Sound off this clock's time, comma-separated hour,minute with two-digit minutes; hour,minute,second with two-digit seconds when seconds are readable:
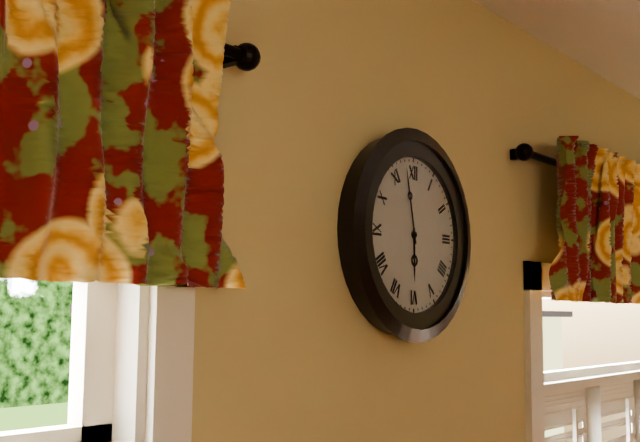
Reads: 5,58
